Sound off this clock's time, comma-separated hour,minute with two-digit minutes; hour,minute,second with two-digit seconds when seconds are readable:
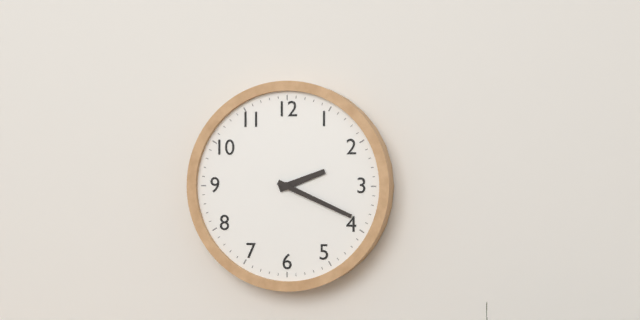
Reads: 2,19
